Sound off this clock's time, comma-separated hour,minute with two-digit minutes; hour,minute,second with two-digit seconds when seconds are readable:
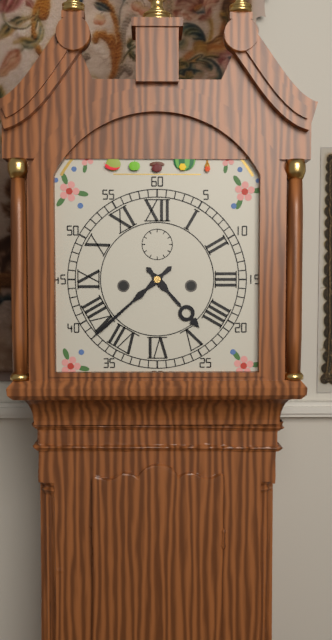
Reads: 4,38
